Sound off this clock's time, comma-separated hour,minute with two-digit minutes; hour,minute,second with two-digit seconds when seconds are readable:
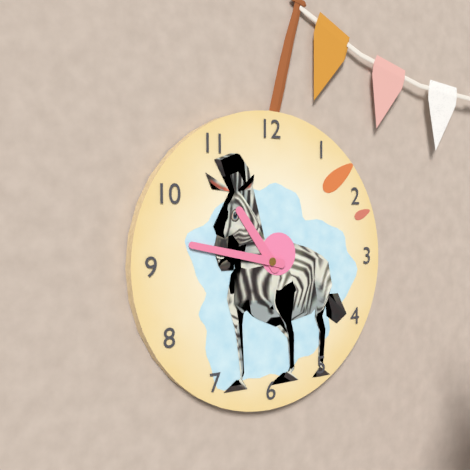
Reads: 10,47
